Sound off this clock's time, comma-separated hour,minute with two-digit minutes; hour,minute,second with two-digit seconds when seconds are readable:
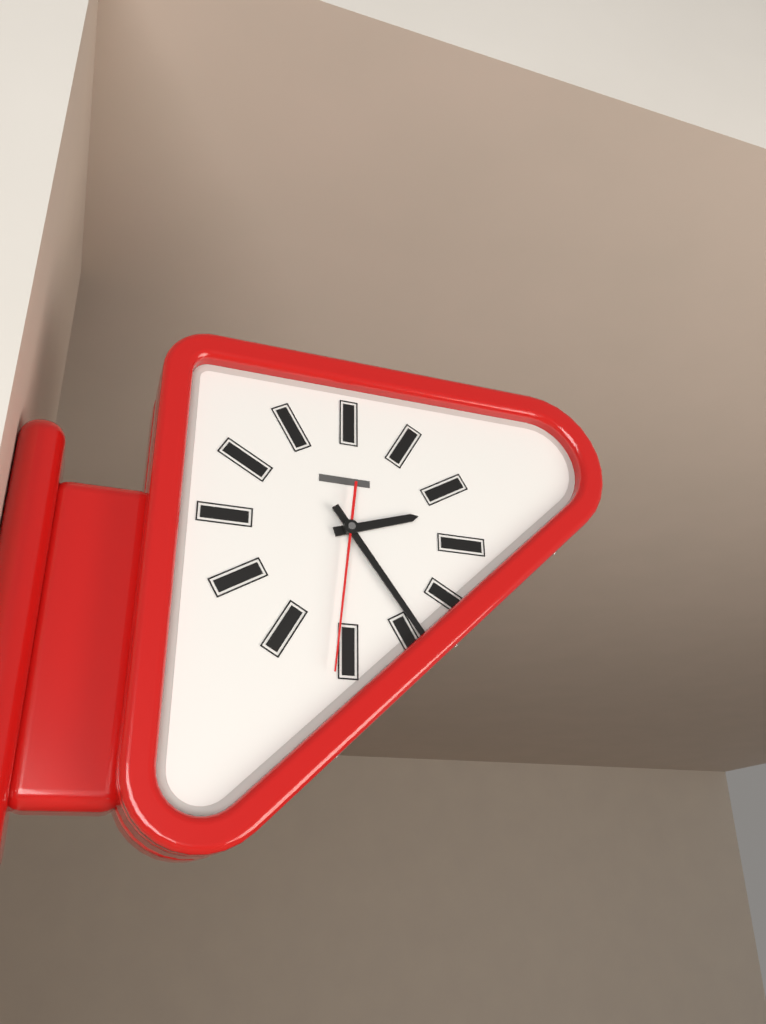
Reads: 2,24,31
